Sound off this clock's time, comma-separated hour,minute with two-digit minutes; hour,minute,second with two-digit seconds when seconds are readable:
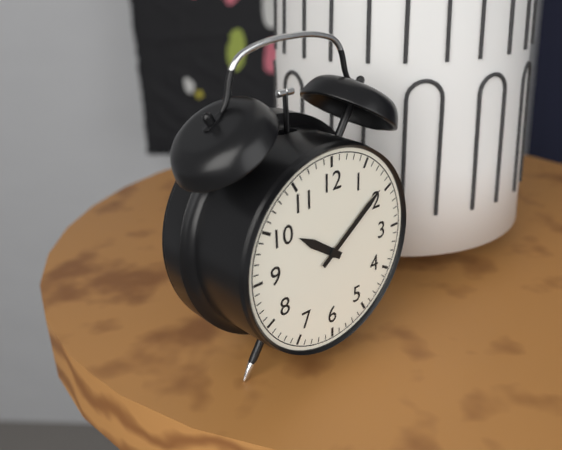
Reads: 10,09
